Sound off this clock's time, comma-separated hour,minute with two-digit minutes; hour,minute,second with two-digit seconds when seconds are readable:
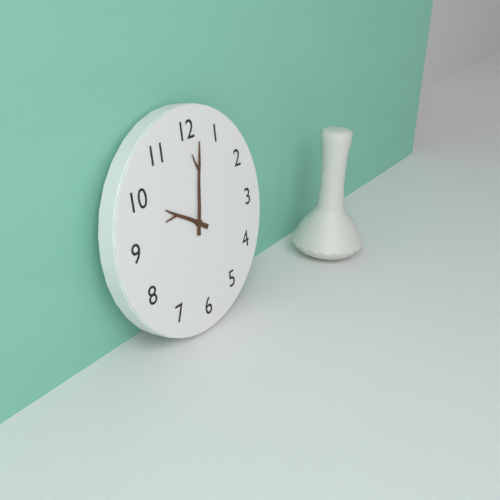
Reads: 10,02
